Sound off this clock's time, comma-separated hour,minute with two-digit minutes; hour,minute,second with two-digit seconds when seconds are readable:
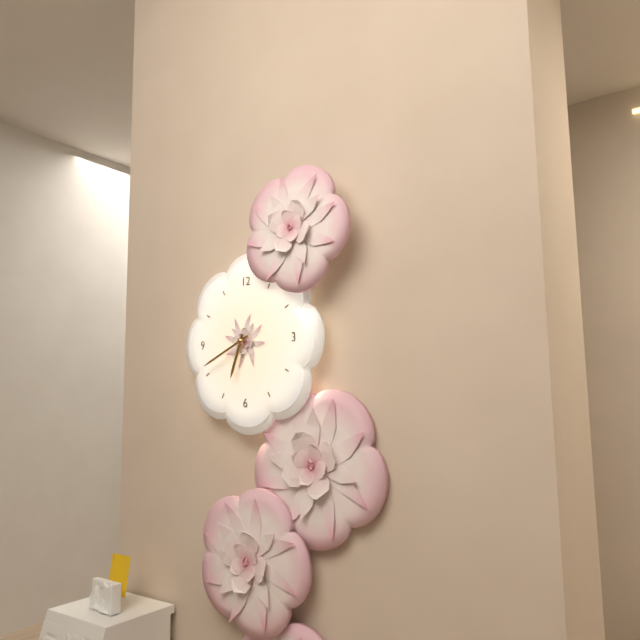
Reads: 6,41
